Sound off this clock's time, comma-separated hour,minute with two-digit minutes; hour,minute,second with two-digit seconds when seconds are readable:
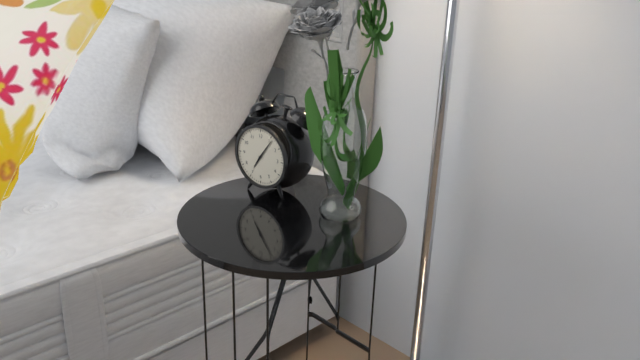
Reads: 7,06
